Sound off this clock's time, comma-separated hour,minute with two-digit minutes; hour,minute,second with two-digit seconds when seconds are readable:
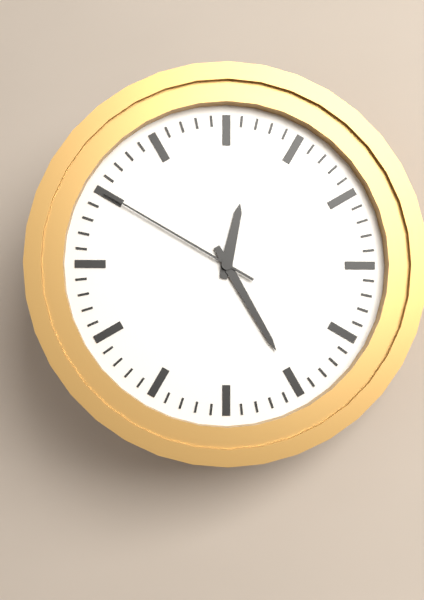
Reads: 12,25,50
